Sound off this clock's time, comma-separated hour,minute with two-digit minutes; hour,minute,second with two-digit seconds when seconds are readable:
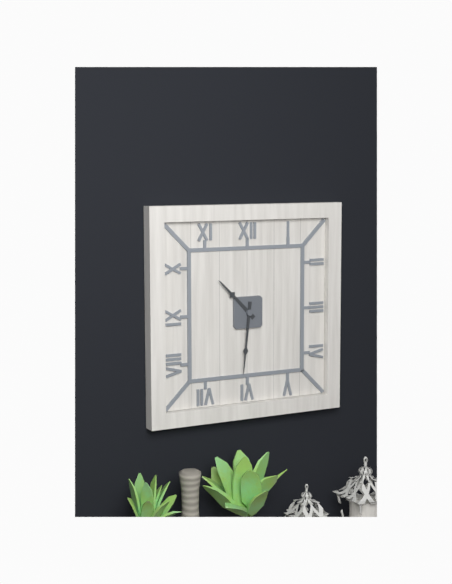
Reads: 10,31
